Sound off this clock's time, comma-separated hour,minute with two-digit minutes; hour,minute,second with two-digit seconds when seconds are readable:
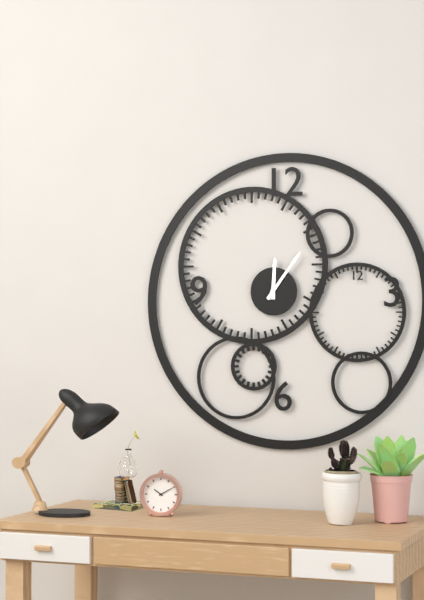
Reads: 12,06
